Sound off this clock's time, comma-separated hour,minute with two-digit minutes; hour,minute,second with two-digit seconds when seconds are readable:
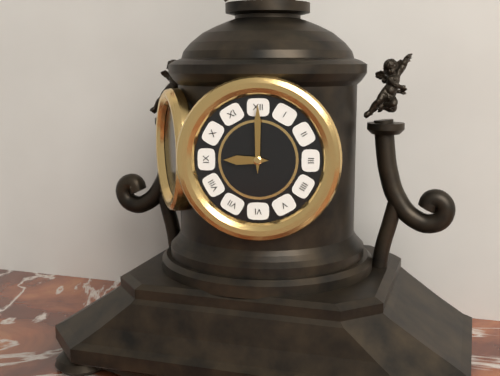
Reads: 9,00
